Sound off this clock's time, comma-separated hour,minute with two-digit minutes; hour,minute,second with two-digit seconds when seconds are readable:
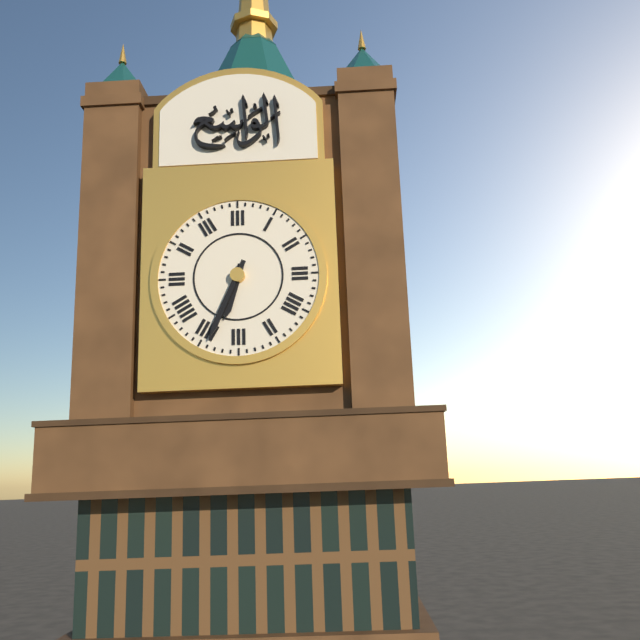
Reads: 6,34
